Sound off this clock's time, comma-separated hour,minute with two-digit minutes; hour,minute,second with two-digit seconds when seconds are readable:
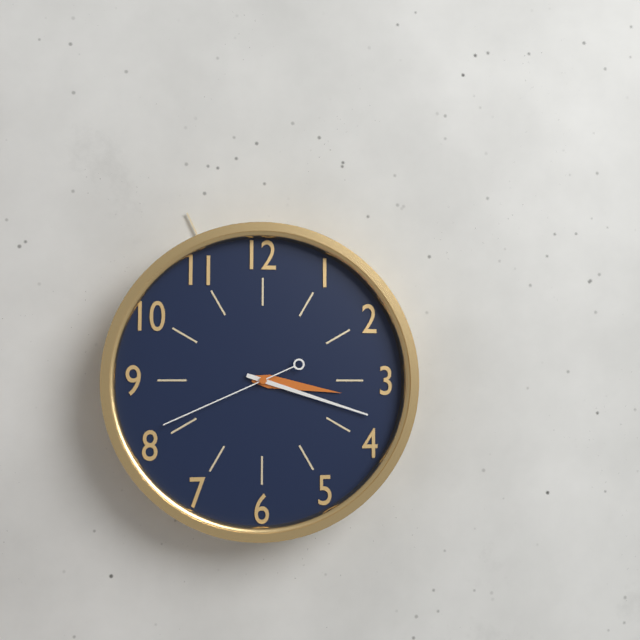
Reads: 3,18,41
